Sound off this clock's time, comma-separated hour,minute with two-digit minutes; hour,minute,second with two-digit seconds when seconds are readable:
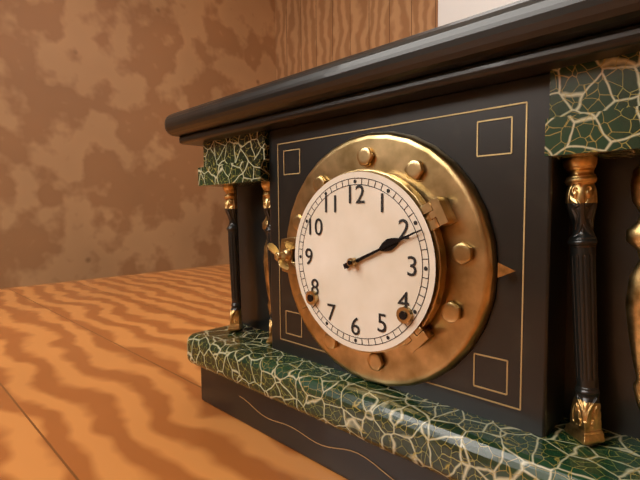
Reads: 2,11
